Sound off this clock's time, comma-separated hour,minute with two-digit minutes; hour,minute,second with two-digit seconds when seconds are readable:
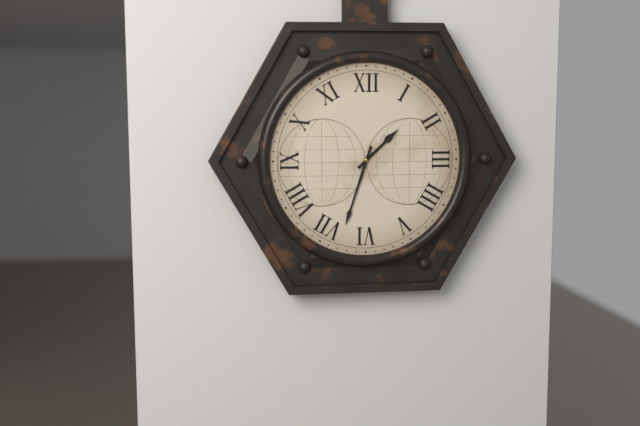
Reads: 1,33
